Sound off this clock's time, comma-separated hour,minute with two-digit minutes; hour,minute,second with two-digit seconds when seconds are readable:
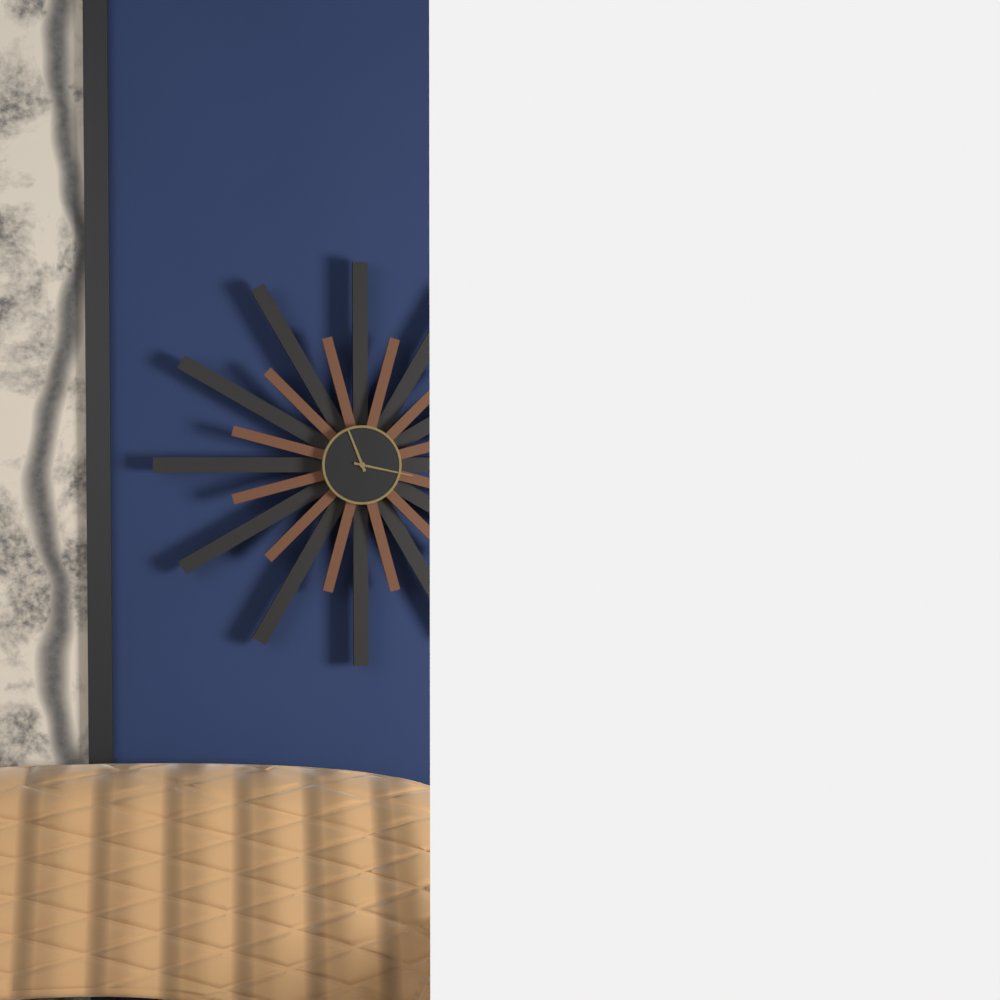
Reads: 11,17
